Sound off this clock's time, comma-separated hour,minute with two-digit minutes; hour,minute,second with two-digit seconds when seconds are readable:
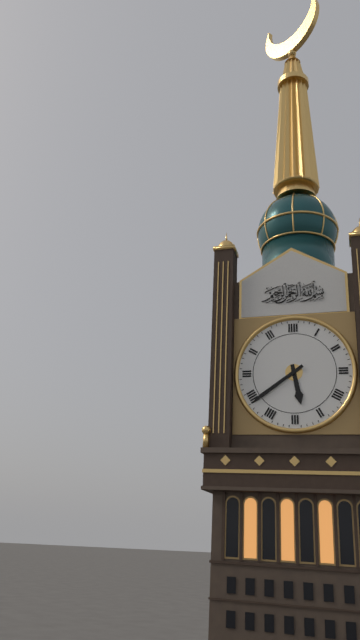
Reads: 5,39
